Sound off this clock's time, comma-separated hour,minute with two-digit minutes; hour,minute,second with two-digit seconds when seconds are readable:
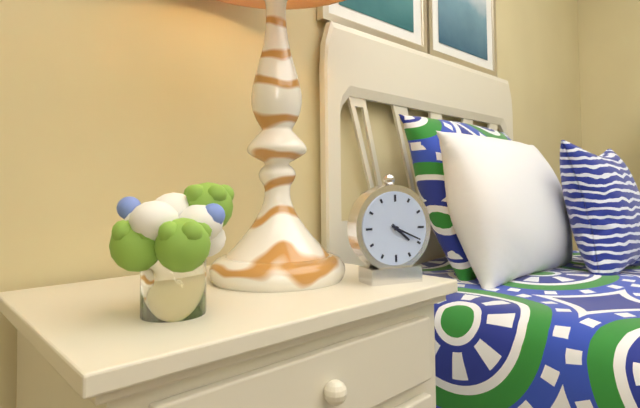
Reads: 4,19
